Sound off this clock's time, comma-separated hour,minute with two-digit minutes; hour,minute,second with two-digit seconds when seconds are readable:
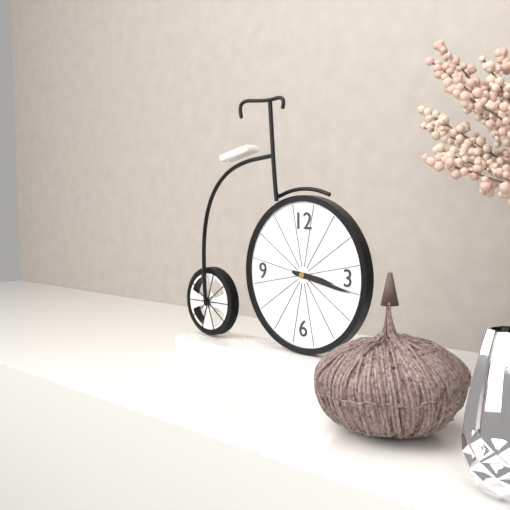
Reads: 3,17
